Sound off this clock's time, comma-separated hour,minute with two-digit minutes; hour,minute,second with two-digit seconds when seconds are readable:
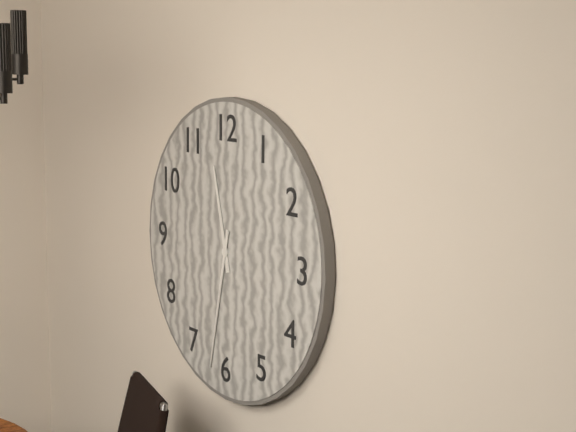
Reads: 11,32
